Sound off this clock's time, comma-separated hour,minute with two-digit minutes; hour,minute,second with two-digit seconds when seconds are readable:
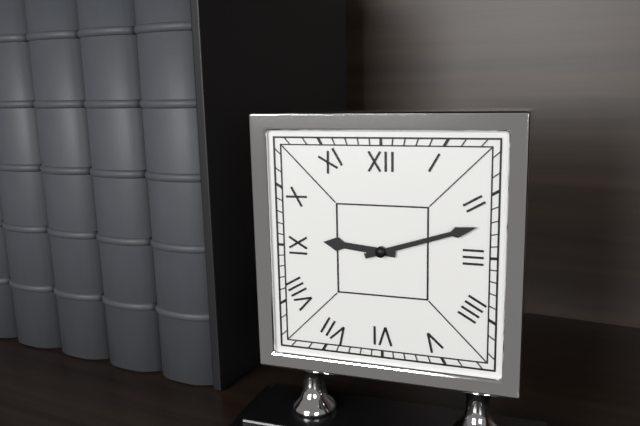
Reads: 9,12
